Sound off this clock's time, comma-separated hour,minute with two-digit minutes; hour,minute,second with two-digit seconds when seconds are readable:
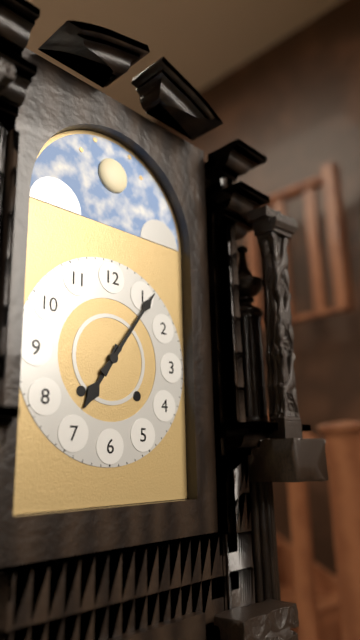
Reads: 7,06
